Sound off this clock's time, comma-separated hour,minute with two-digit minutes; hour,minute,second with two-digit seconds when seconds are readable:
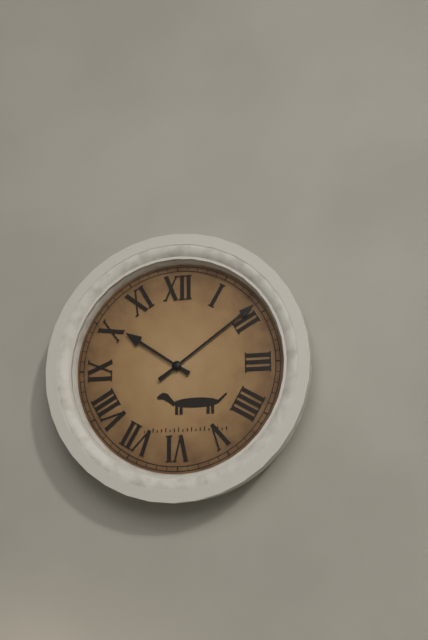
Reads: 10,09
